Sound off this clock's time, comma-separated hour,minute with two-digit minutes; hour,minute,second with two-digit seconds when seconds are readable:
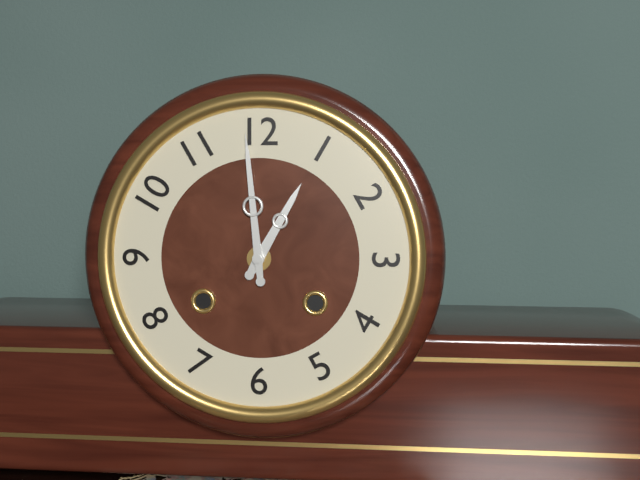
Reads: 12,59
